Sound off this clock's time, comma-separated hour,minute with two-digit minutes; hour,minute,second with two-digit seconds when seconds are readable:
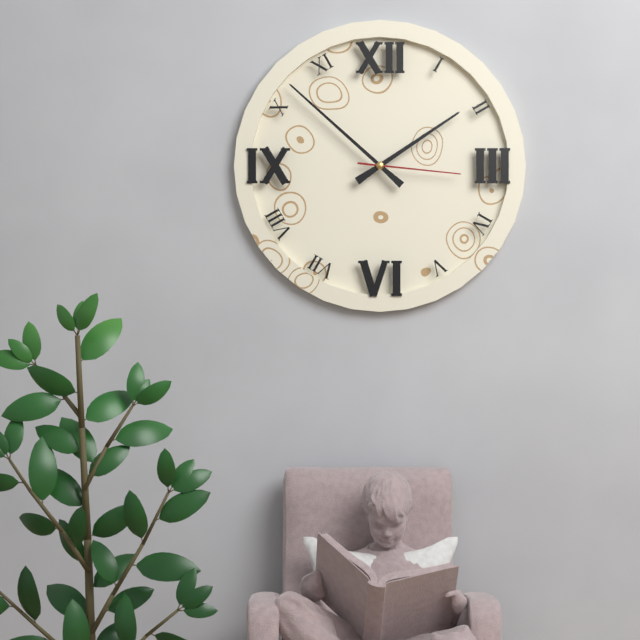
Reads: 1,52,16
